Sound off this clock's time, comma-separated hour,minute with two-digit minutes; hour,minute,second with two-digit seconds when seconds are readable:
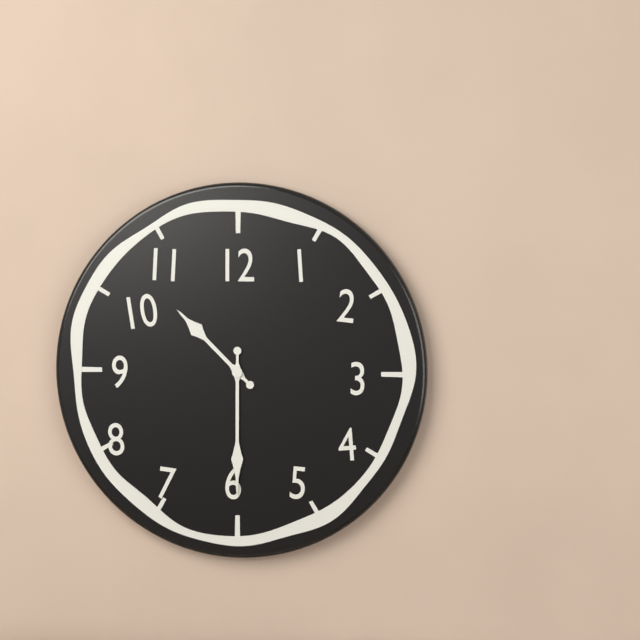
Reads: 10,30
